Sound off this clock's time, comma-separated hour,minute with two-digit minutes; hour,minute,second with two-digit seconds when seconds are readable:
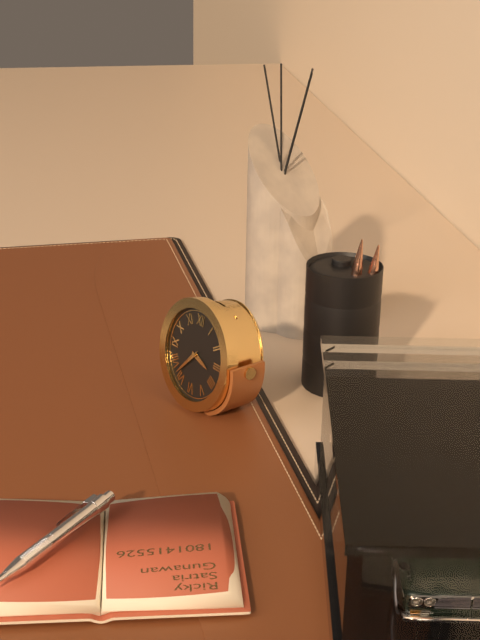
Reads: 3,37
